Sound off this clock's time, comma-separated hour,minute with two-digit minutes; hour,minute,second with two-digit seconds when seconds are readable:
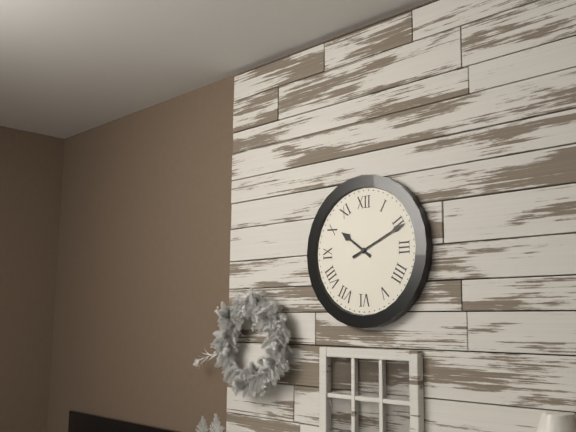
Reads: 10,11
